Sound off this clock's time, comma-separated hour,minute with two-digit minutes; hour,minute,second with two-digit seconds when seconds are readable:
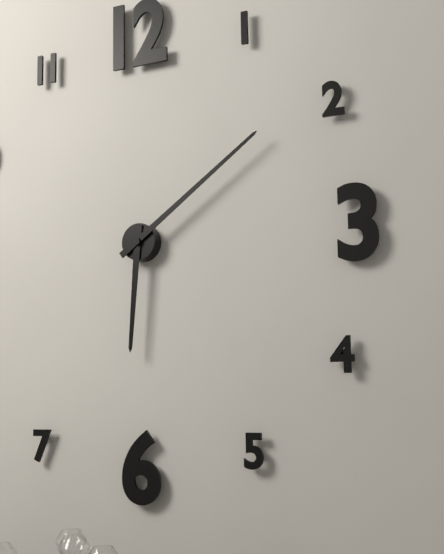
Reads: 6,09
